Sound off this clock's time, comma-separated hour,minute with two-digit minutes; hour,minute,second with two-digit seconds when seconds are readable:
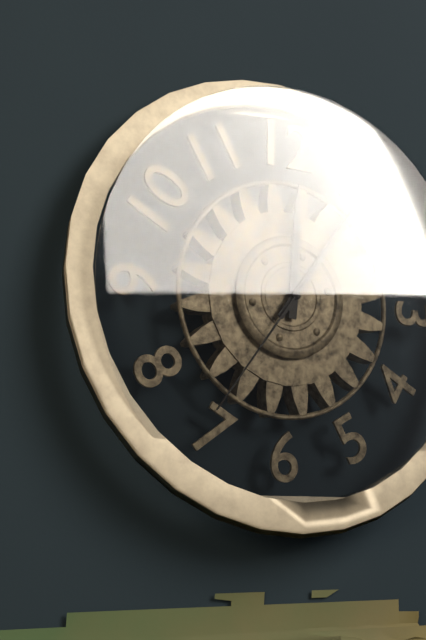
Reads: 12,06,36
